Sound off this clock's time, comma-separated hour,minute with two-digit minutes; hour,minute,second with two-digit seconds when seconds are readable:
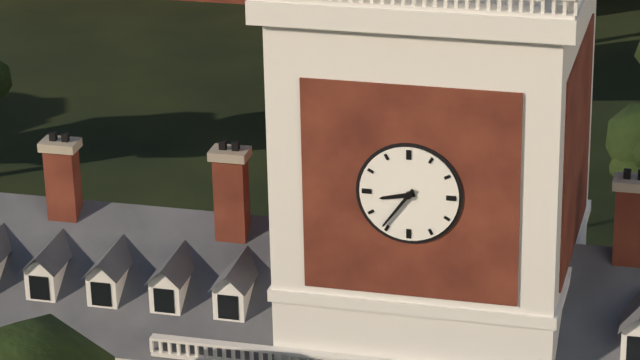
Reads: 8,36
